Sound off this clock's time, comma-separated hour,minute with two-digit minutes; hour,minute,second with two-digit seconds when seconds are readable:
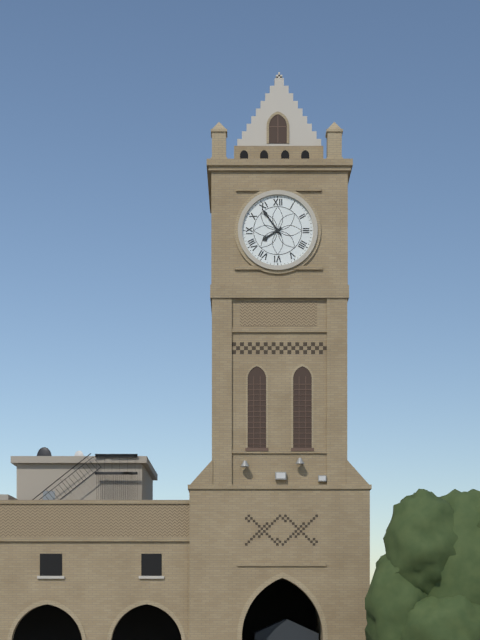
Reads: 7,54
